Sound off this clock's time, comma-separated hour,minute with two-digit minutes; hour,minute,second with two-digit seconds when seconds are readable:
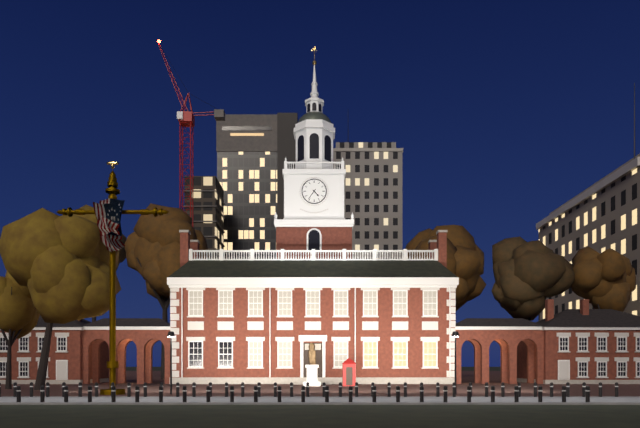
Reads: 4,36
